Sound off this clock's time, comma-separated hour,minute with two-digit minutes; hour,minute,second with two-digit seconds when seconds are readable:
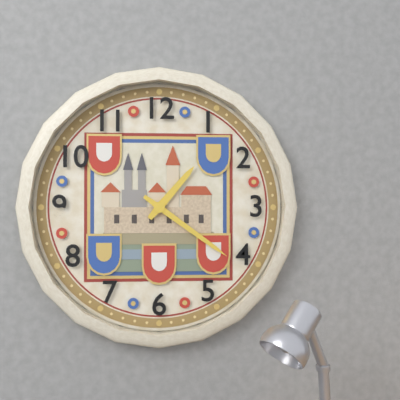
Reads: 1,21
